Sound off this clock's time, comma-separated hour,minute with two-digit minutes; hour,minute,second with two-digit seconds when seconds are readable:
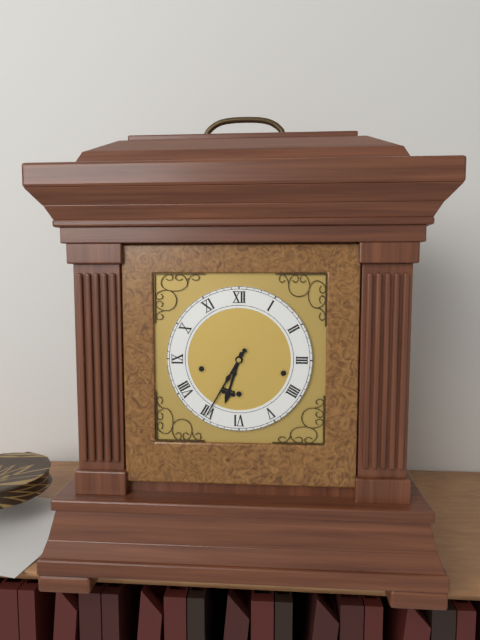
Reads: 6,35
